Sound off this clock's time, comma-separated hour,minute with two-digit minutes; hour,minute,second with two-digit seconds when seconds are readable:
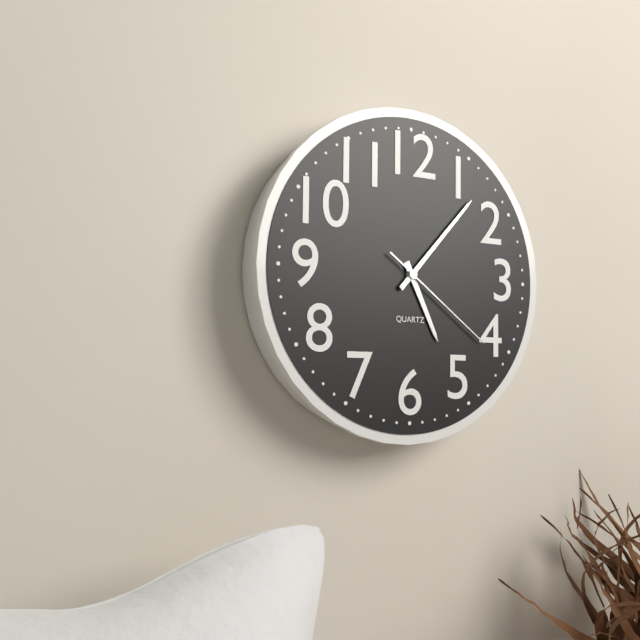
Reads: 5,07,21
